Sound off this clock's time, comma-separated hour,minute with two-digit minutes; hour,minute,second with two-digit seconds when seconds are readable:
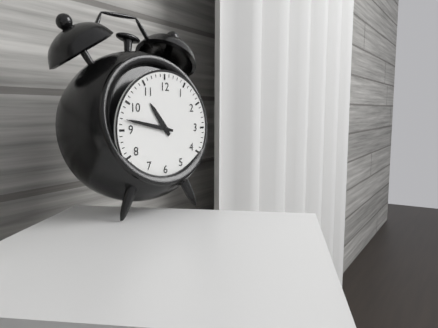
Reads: 10,47
